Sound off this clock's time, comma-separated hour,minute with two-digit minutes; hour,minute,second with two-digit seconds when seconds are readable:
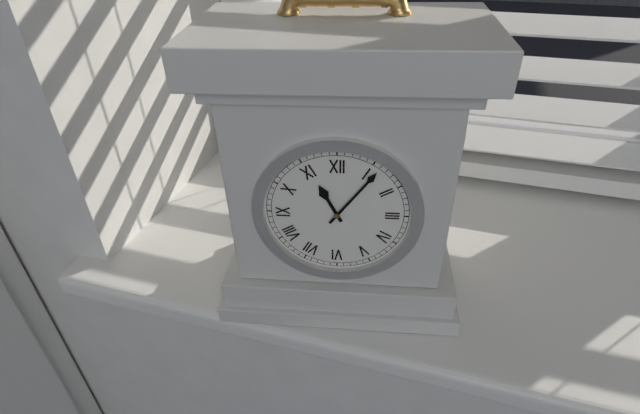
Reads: 11,06
